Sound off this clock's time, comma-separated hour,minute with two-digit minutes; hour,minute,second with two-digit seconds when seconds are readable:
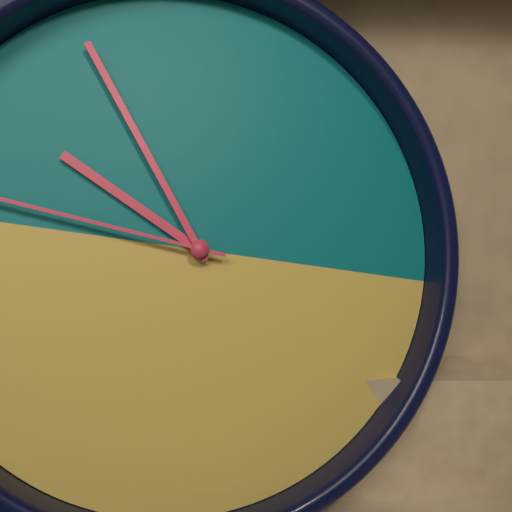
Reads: 9,54
